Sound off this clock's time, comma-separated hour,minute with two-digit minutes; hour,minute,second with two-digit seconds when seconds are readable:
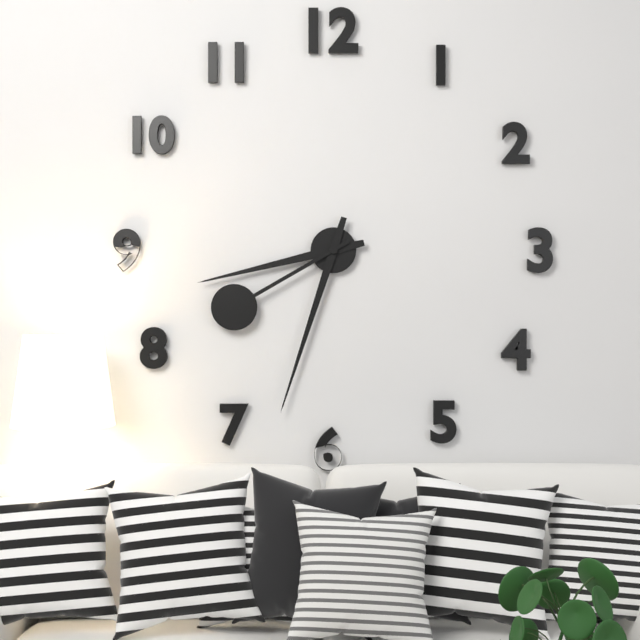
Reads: 8,33,40
